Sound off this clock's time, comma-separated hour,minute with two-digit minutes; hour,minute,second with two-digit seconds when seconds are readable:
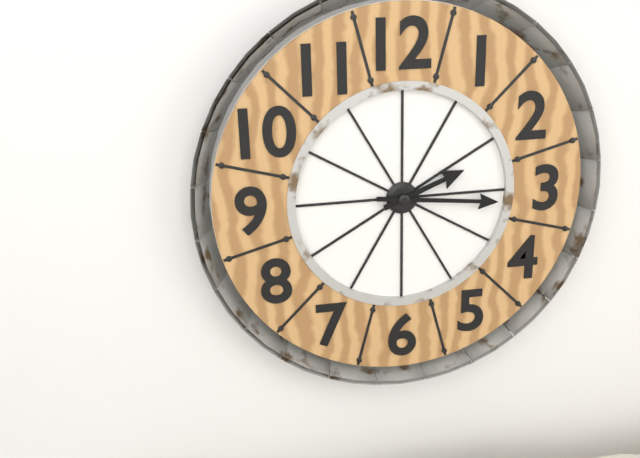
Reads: 2,16
